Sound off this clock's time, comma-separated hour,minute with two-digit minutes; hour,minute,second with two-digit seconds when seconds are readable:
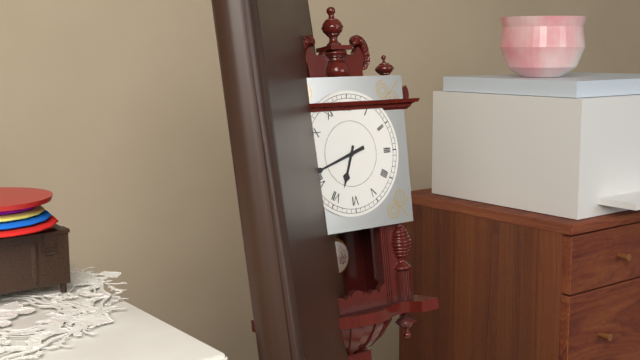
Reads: 6,42
